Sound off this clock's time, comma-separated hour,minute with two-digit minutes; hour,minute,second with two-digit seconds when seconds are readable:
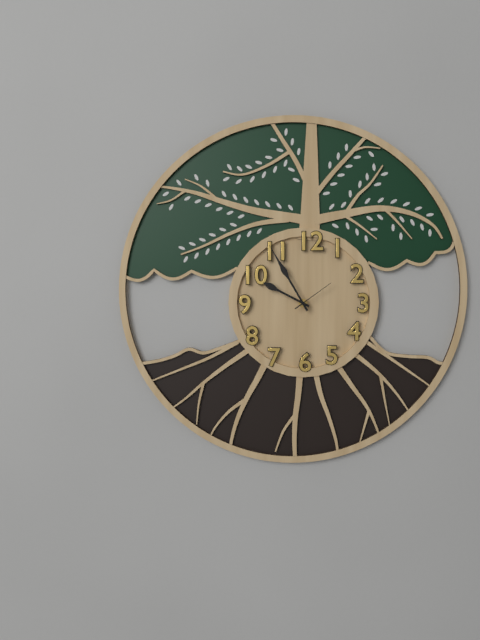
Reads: 9,55
